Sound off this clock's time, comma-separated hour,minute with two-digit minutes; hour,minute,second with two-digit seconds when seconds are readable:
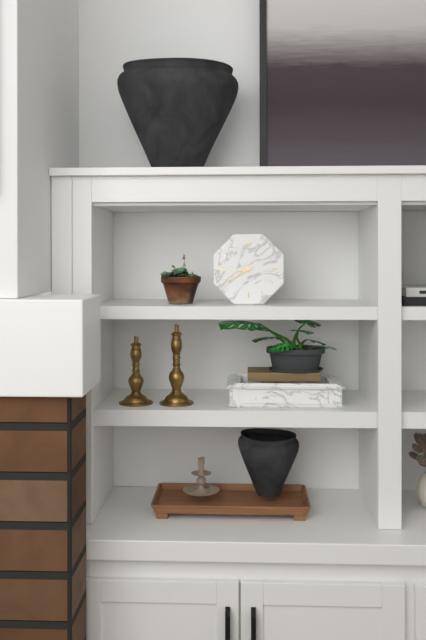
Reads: 8,40
